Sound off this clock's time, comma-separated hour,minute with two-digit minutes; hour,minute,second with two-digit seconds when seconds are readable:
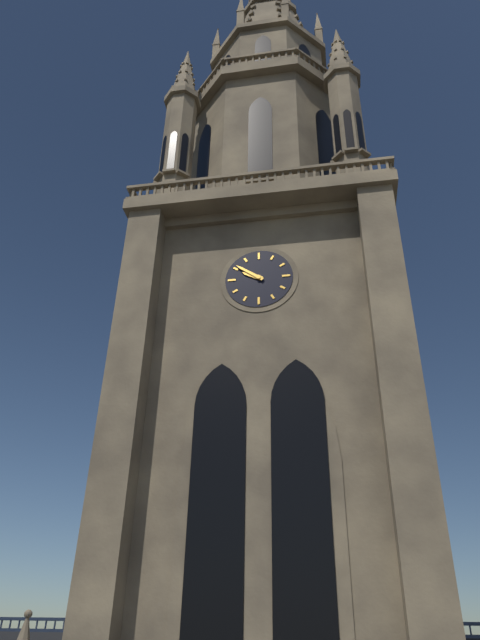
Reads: 9,51
